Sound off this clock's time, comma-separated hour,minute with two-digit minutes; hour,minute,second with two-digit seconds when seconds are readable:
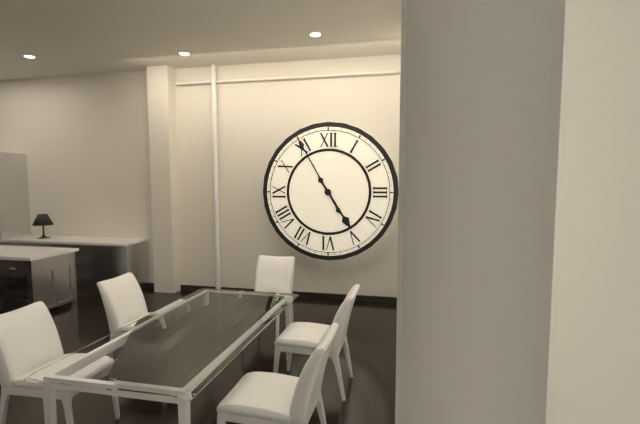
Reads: 4,55
